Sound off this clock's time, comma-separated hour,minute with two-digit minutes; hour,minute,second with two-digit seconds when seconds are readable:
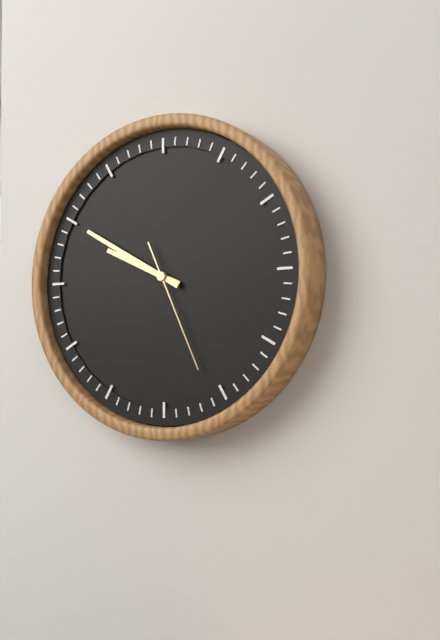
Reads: 9,50,26
